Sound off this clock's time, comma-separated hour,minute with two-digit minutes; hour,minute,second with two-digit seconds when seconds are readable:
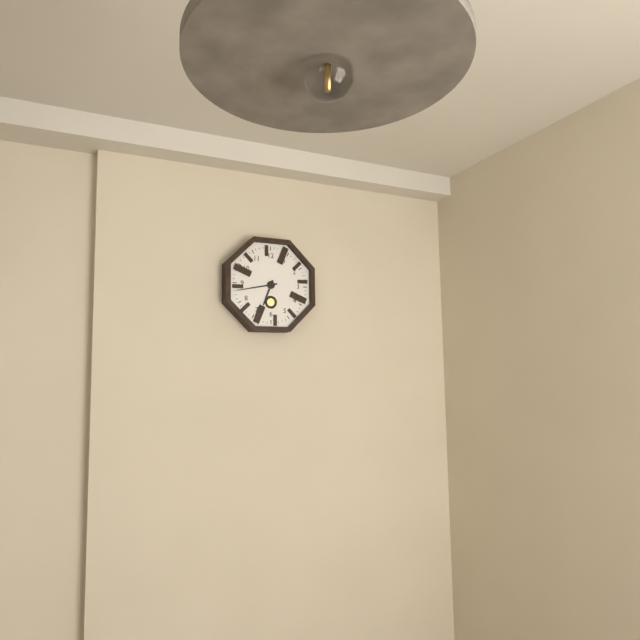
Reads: 6,43
